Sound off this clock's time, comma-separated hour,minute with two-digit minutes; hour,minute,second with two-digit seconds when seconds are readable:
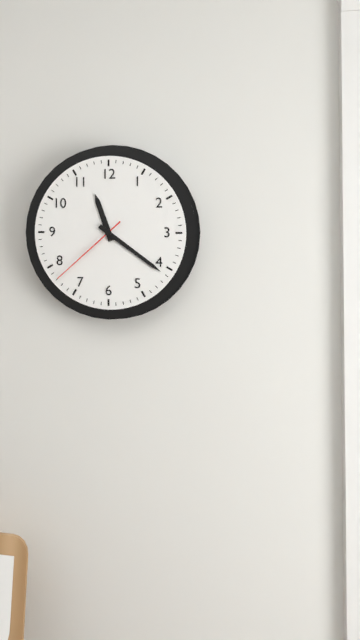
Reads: 11,21,38
